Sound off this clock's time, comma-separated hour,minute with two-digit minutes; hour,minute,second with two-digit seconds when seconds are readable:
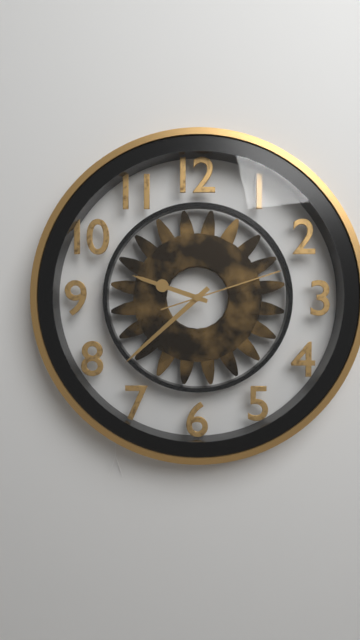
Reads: 9,38,12
